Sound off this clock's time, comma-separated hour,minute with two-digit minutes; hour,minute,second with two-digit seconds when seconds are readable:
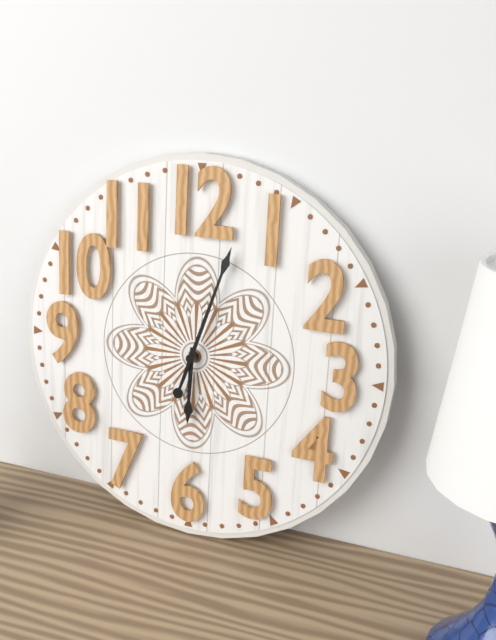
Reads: 6,03
